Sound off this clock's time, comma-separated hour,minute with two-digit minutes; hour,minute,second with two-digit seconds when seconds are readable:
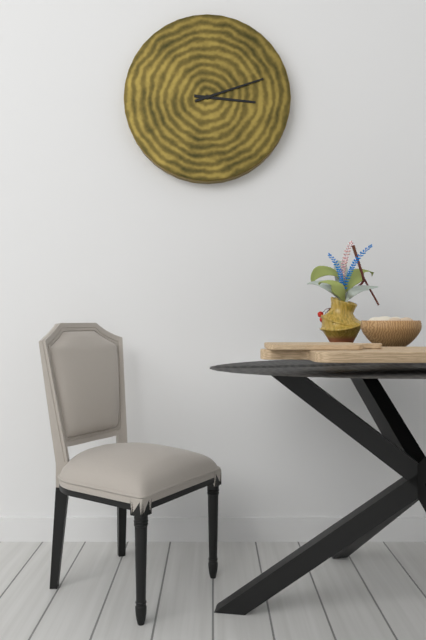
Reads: 3,12
